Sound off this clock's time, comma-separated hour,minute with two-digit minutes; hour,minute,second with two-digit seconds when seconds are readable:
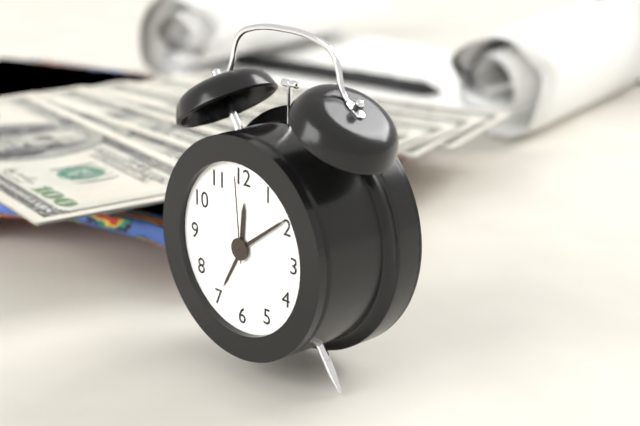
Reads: 12,09,59
